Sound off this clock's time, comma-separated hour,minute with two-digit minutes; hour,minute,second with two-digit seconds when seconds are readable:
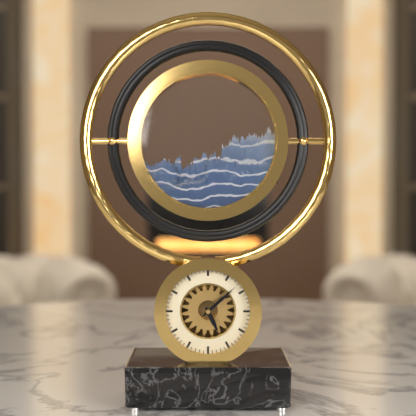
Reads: 5,08
